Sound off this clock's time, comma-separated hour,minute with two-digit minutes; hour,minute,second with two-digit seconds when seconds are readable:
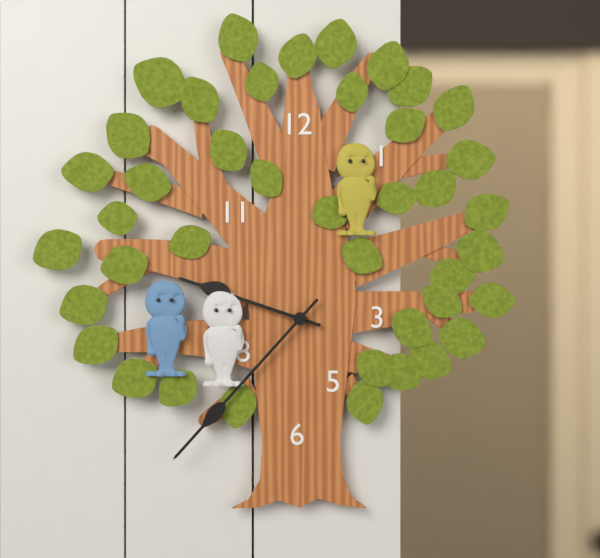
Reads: 9,37
